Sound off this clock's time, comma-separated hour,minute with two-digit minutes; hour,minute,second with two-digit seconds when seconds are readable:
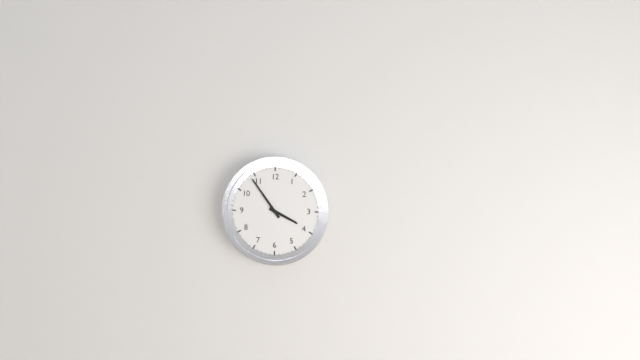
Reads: 3,54
